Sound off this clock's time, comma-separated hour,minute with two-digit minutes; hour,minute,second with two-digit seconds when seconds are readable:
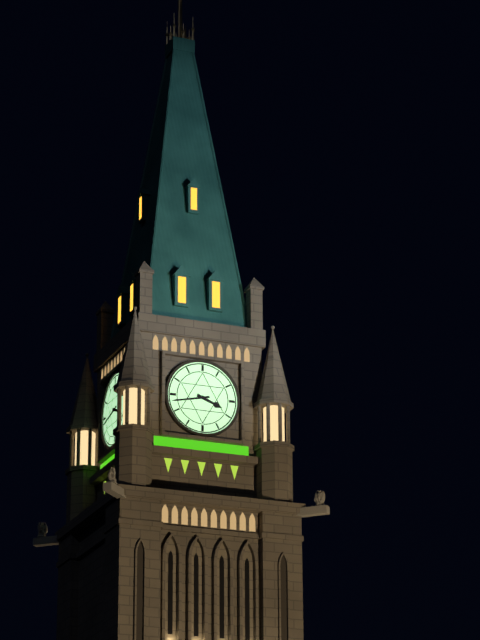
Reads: 3,43
